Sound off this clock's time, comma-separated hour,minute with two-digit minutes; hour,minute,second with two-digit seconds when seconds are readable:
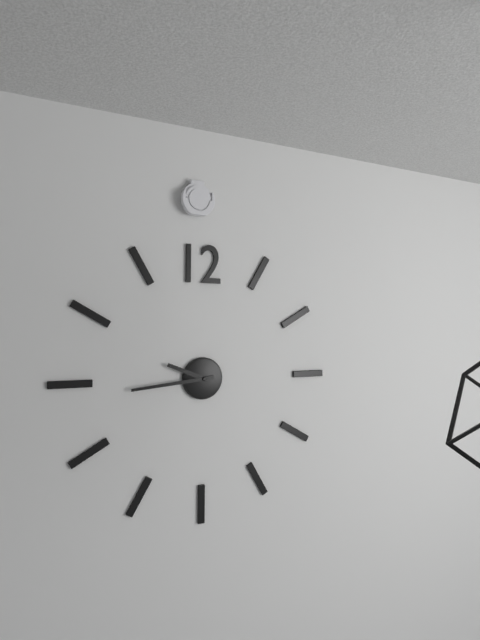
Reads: 9,44
